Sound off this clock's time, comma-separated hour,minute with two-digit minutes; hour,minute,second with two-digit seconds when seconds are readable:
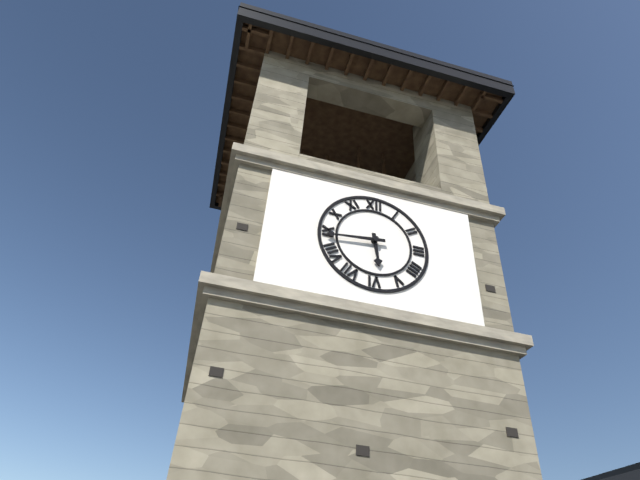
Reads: 5,44
